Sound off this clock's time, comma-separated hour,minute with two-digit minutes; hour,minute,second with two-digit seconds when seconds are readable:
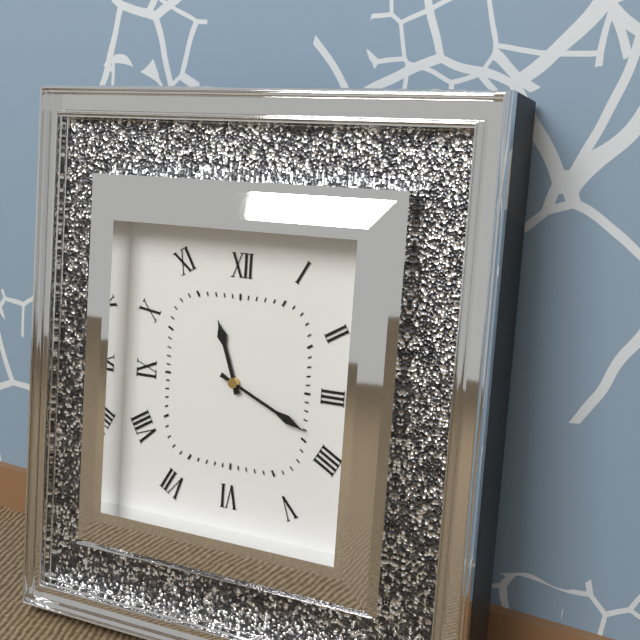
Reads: 11,19
